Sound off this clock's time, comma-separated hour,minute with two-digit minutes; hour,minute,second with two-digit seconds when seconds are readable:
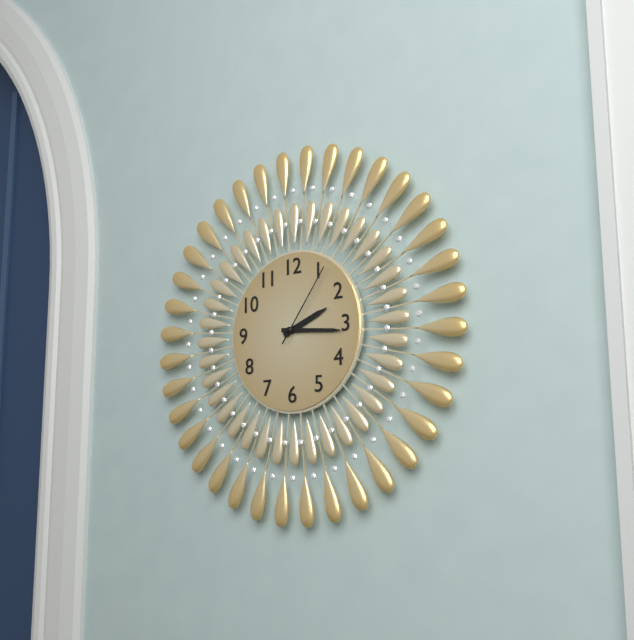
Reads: 2,16,06
